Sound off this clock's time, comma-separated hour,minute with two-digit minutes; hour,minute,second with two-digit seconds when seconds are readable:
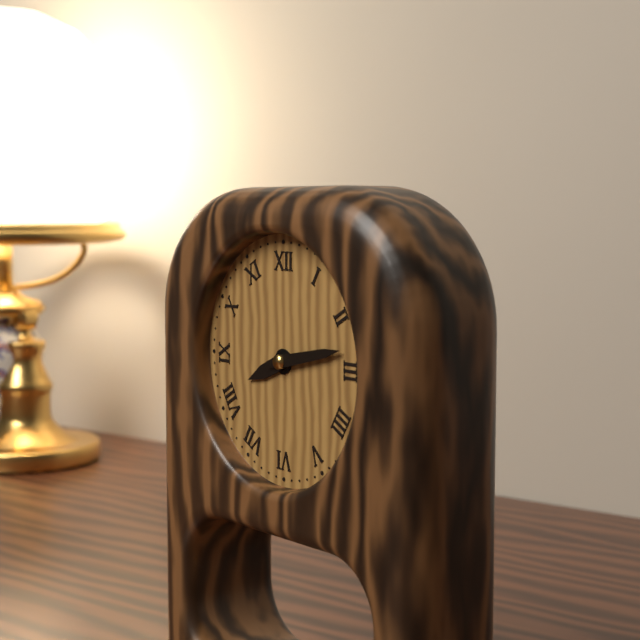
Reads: 8,13
